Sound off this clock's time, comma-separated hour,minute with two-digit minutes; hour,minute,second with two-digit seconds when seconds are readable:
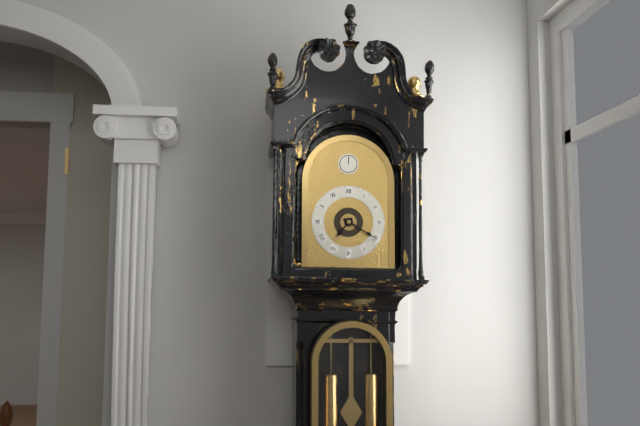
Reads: 7,20
